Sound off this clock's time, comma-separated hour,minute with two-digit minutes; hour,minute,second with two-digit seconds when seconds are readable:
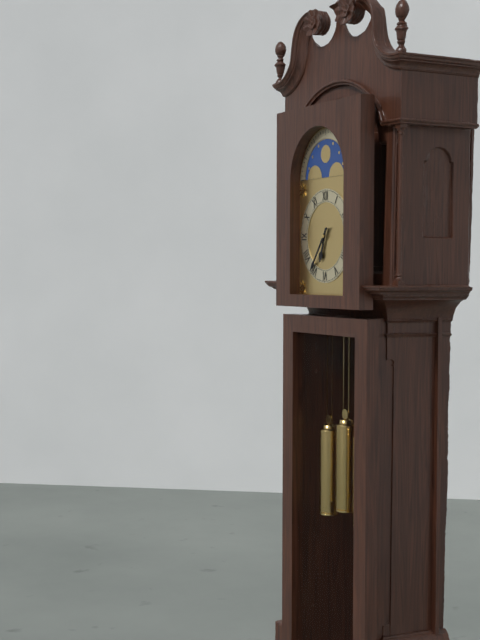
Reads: 6,36
